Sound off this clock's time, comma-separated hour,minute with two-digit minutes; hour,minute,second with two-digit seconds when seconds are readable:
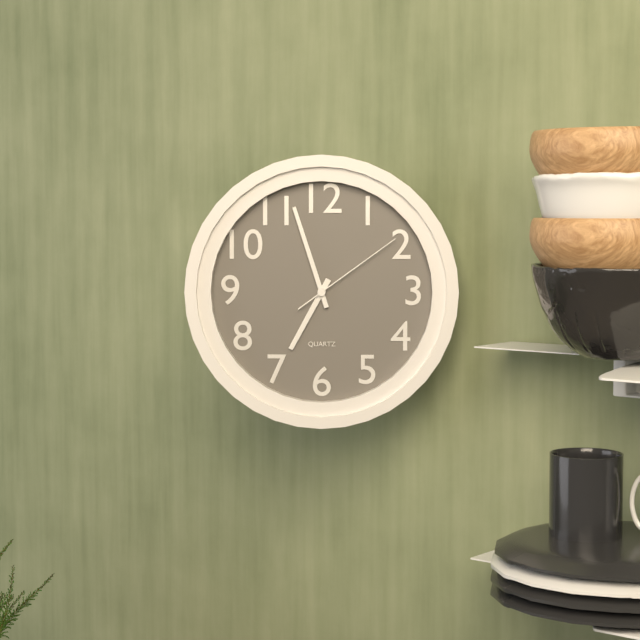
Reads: 6,57,09
